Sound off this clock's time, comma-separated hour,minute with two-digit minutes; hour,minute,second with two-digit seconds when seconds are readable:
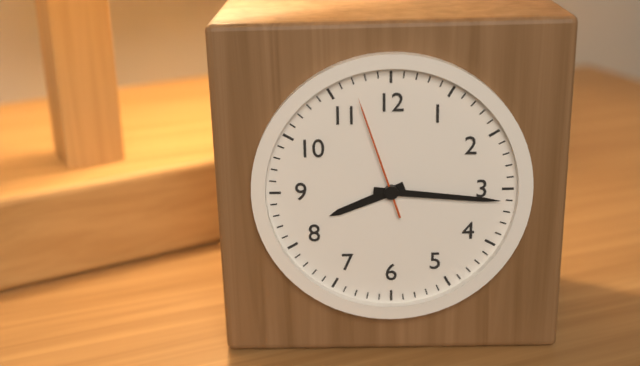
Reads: 8,16,57
